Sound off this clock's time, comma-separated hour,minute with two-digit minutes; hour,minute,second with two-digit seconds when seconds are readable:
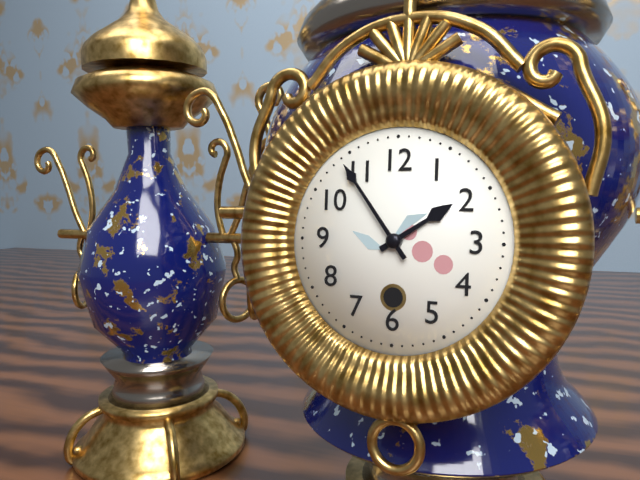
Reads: 1,54
